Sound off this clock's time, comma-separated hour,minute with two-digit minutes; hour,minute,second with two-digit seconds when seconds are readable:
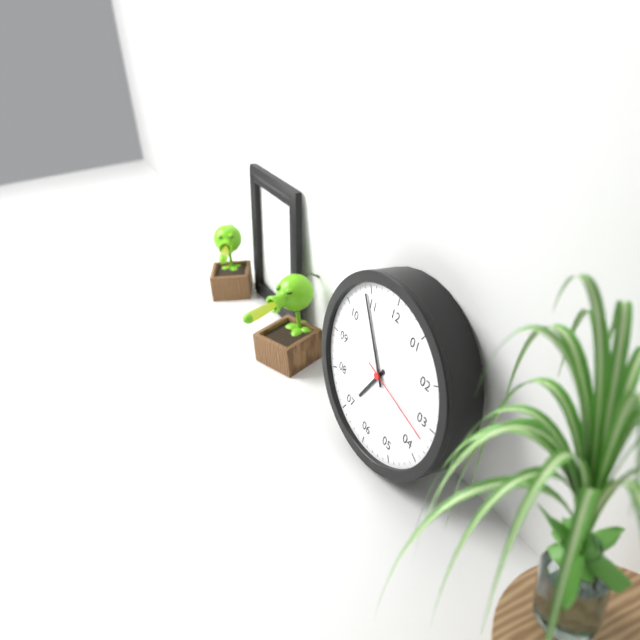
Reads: 6,54,17
